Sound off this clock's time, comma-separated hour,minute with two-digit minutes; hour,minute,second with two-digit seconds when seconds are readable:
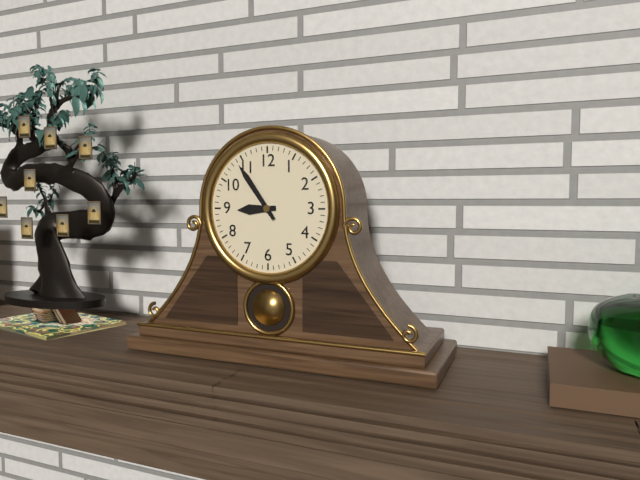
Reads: 8,54
